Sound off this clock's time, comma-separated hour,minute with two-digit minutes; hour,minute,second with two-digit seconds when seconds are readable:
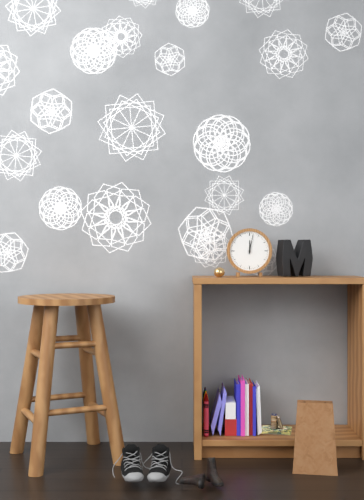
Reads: 12,02
